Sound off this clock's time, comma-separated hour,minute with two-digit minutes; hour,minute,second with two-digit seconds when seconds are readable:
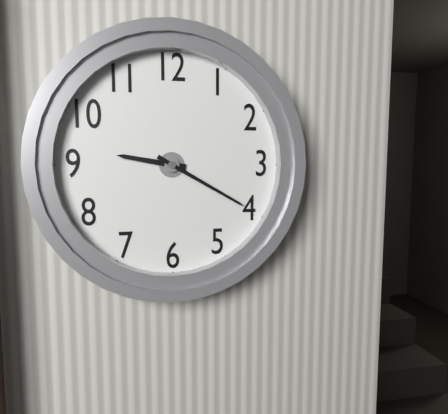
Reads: 9,20
